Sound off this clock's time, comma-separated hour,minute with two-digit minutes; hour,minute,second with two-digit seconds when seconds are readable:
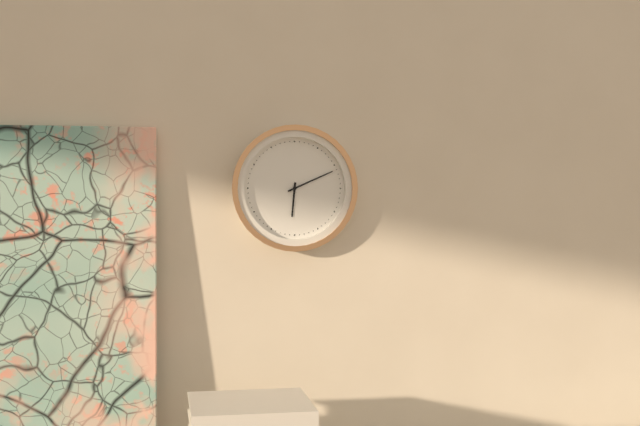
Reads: 6,11
